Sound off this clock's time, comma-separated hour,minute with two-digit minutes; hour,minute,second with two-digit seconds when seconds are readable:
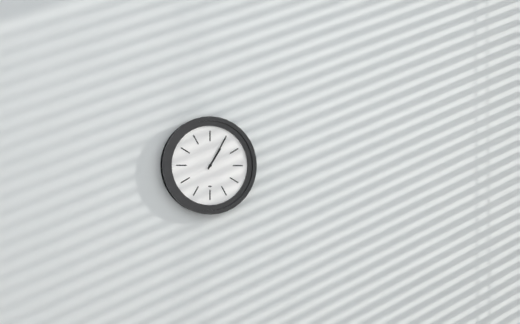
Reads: 1,05
